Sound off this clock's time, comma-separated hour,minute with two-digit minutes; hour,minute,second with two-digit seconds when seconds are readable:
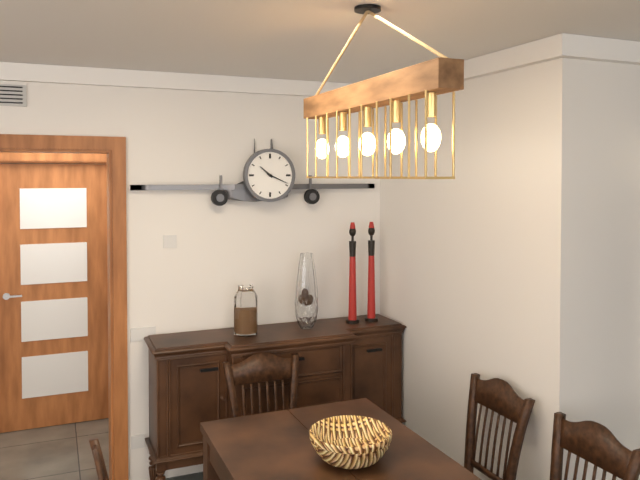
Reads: 10,19
